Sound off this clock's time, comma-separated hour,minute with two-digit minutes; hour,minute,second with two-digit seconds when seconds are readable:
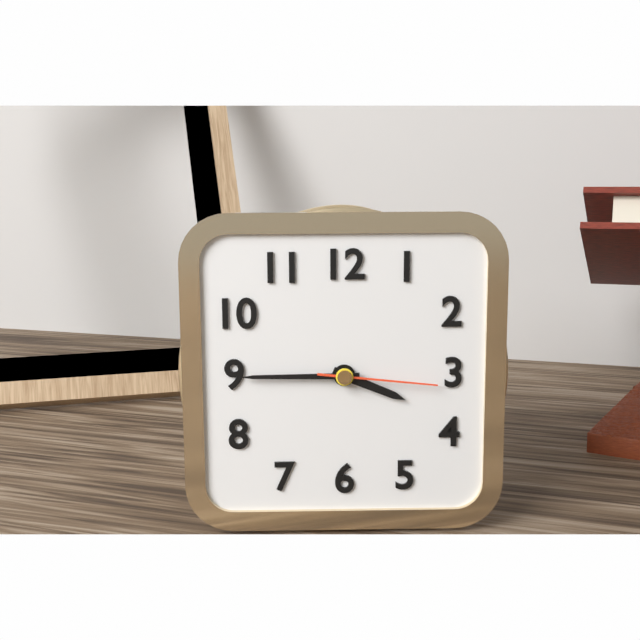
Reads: 3,45,16
